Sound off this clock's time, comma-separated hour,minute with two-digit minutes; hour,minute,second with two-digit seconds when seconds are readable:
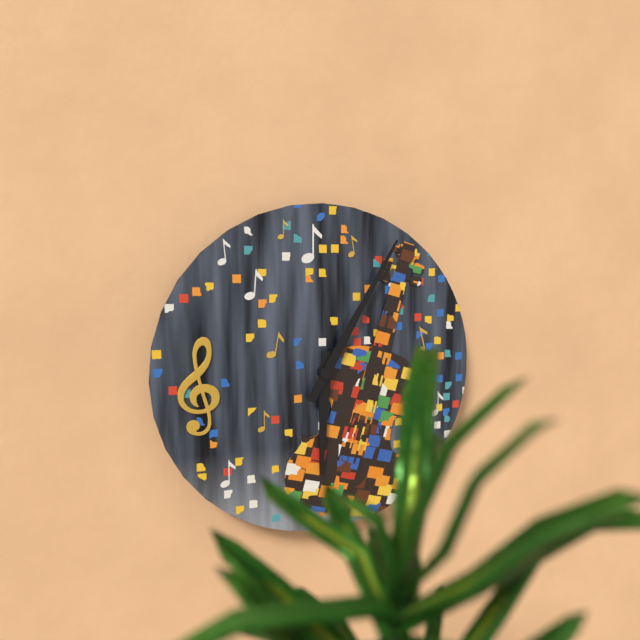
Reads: 6,05
